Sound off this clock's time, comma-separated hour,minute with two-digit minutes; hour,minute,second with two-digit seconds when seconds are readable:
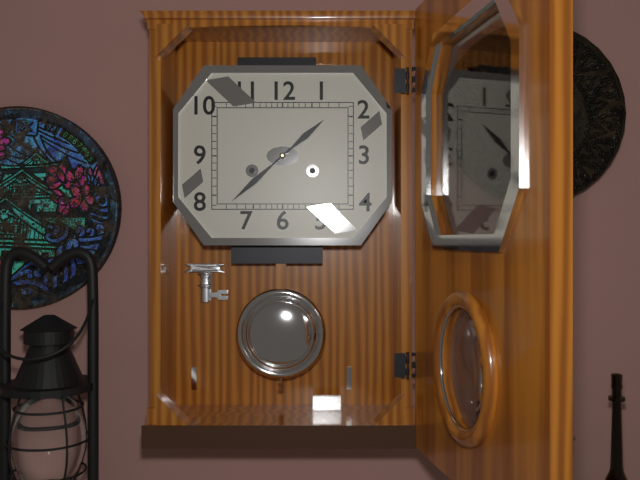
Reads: 1,38
